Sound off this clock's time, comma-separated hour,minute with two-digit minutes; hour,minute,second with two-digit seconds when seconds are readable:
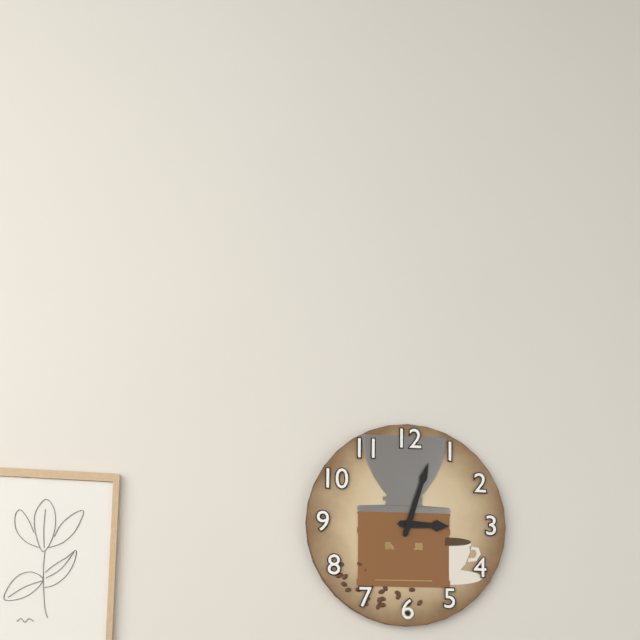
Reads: 3,03
